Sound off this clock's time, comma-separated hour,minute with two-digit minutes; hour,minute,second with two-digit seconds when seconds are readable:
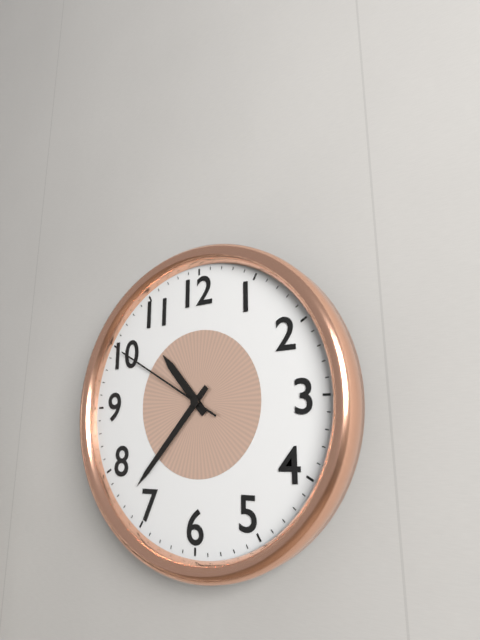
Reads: 10,37,50
